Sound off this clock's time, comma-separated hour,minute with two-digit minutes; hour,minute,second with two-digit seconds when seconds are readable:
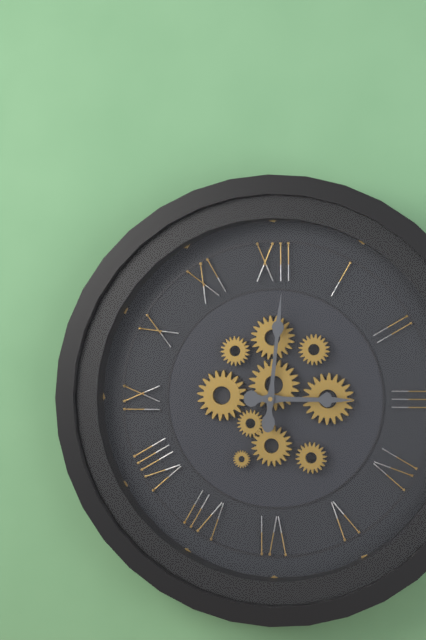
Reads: 3,01
